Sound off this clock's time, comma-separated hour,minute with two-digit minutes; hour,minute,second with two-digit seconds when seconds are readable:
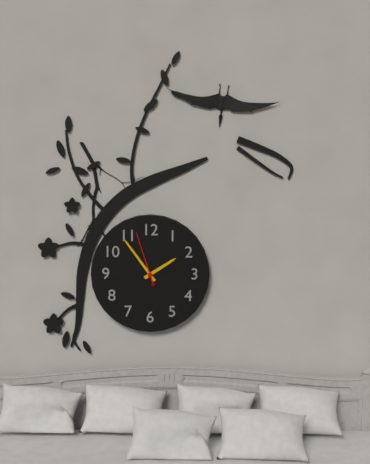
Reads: 1,54,57
